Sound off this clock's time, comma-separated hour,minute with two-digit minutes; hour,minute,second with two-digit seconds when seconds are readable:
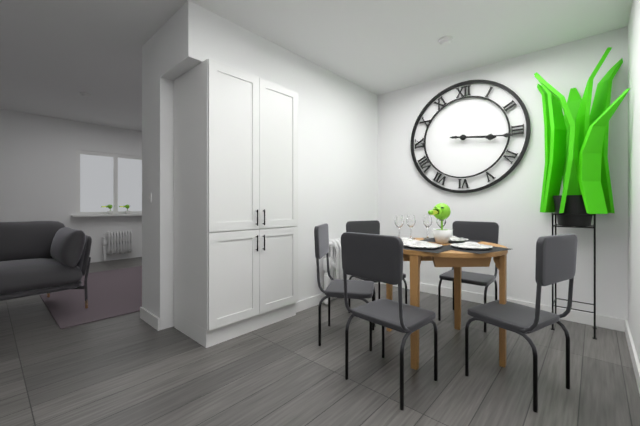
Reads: 3,16
